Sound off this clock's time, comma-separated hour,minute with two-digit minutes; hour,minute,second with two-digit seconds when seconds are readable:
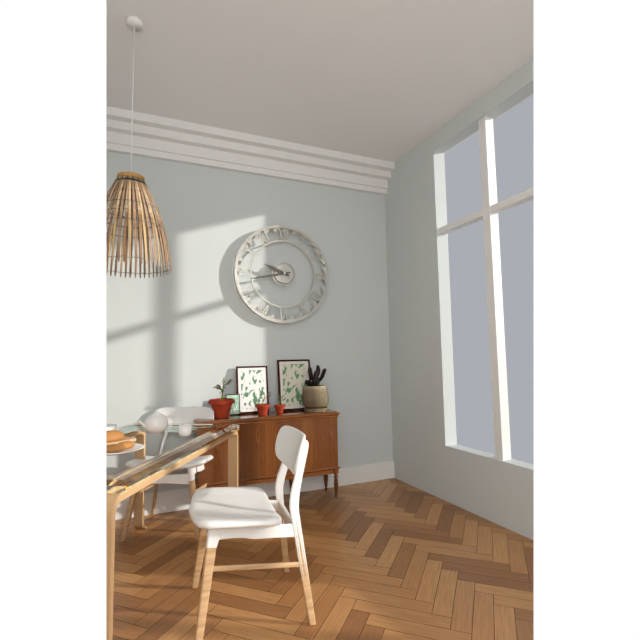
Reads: 9,43
